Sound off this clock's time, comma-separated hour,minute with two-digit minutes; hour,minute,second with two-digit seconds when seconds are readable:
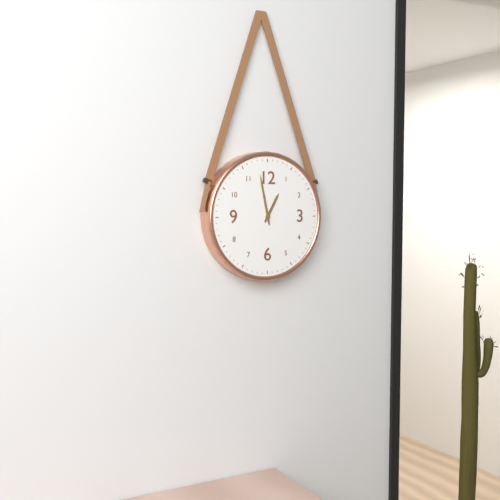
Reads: 12,58
